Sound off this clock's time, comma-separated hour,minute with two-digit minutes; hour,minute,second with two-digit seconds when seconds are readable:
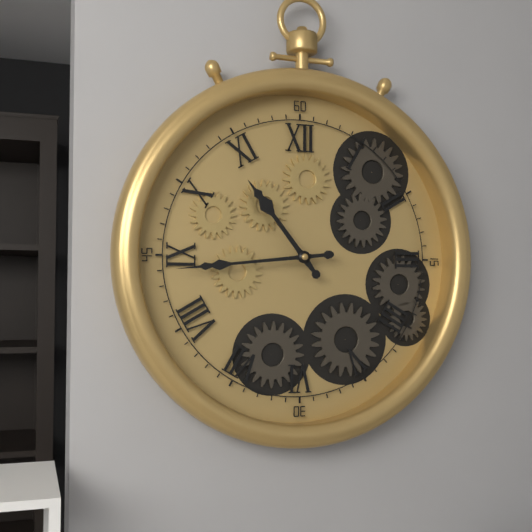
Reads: 10,44
